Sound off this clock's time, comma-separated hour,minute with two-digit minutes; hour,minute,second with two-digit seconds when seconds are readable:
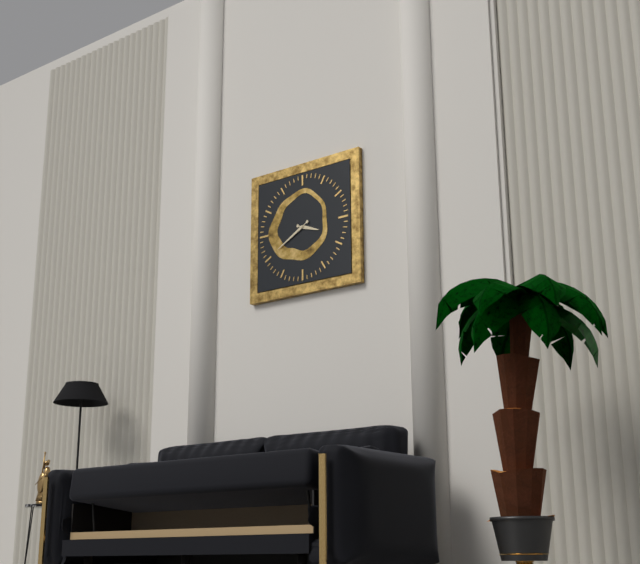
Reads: 3,40
